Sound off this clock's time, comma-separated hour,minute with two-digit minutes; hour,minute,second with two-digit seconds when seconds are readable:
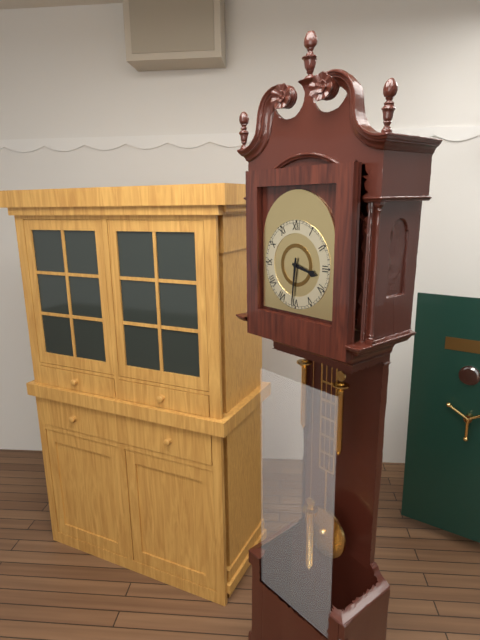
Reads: 3,31
